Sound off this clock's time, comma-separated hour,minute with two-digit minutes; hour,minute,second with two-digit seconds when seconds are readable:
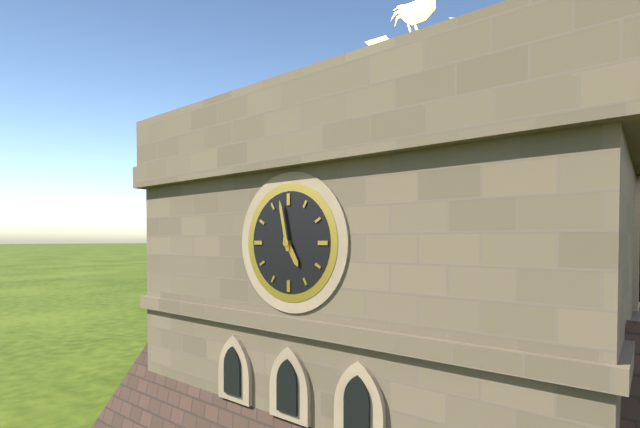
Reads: 4,58
